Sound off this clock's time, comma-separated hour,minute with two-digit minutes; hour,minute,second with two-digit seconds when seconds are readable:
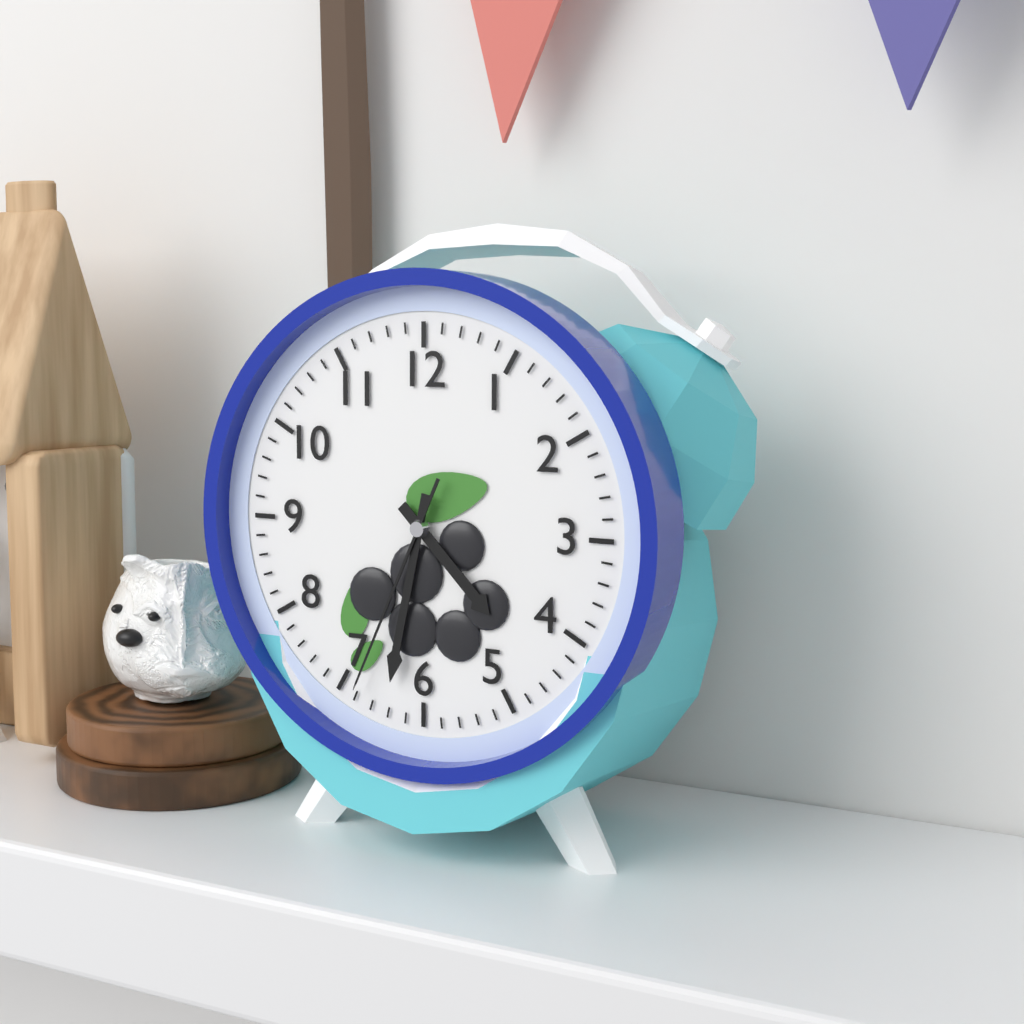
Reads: 4,32,34
